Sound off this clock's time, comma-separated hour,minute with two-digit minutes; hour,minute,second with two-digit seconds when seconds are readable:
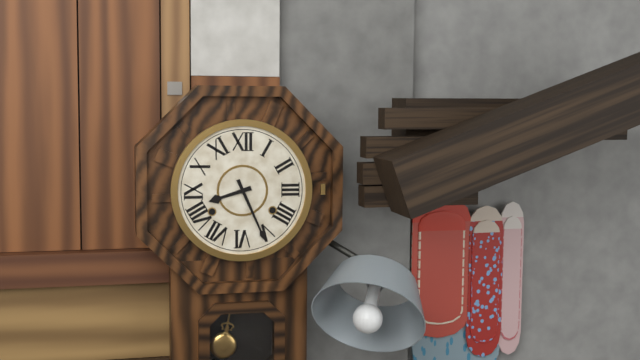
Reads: 8,26
